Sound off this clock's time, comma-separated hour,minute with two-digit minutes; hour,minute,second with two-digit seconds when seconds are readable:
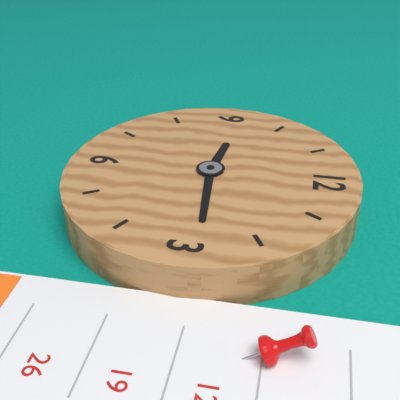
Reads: 9,14
